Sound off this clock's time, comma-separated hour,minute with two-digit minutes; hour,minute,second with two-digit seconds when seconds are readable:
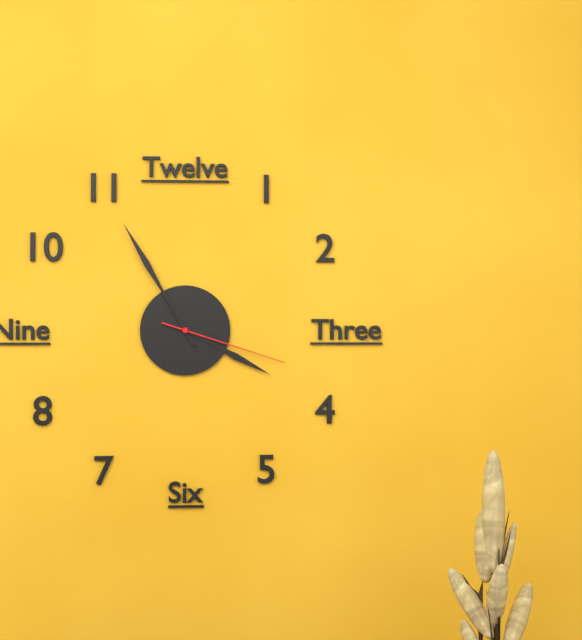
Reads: 3,55,18
